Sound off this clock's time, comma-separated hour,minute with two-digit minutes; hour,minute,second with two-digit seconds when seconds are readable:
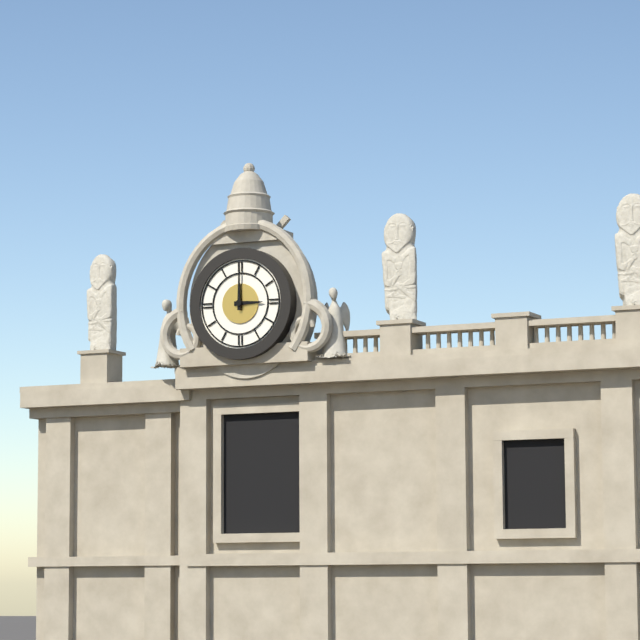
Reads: 3,00
